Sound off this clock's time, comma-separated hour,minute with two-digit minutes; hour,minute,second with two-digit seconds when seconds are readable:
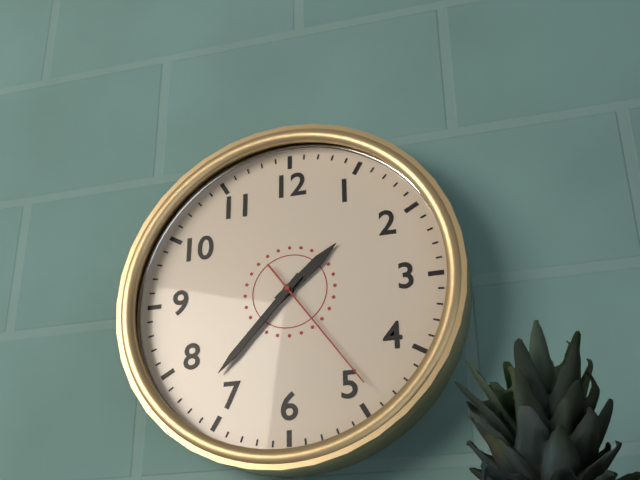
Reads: 1,37,24
